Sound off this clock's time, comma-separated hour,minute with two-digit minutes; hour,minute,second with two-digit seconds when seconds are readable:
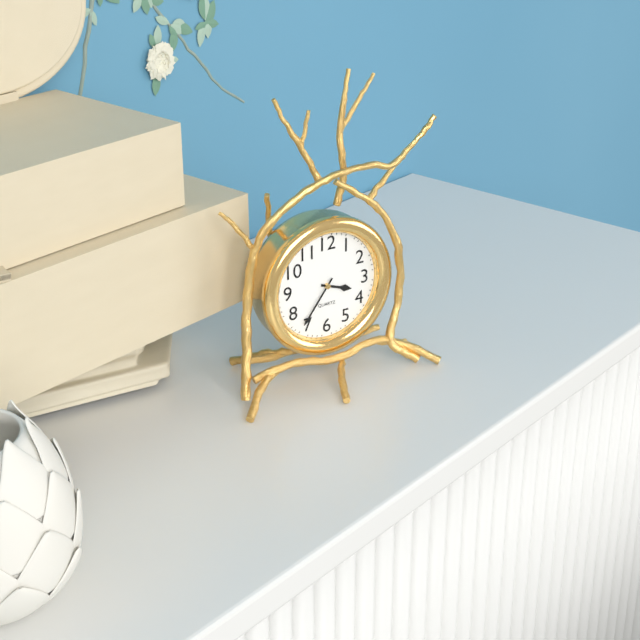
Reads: 3,36
